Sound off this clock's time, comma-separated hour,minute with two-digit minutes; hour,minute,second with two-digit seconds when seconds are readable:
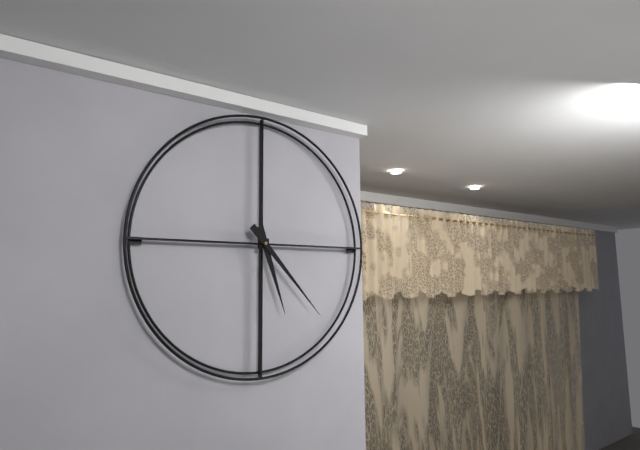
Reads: 5,23
